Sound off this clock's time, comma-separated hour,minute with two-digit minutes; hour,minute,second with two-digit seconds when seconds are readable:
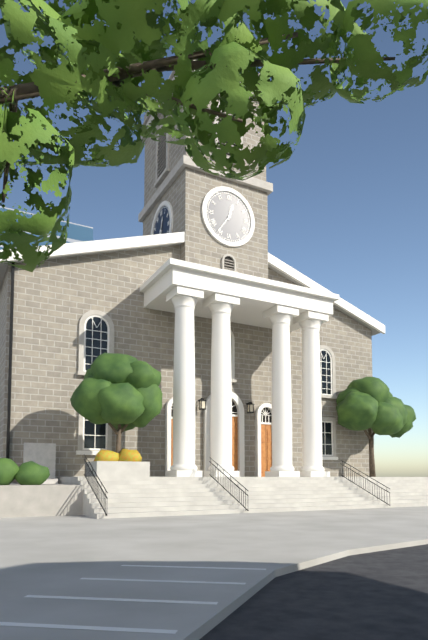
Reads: 12,36
